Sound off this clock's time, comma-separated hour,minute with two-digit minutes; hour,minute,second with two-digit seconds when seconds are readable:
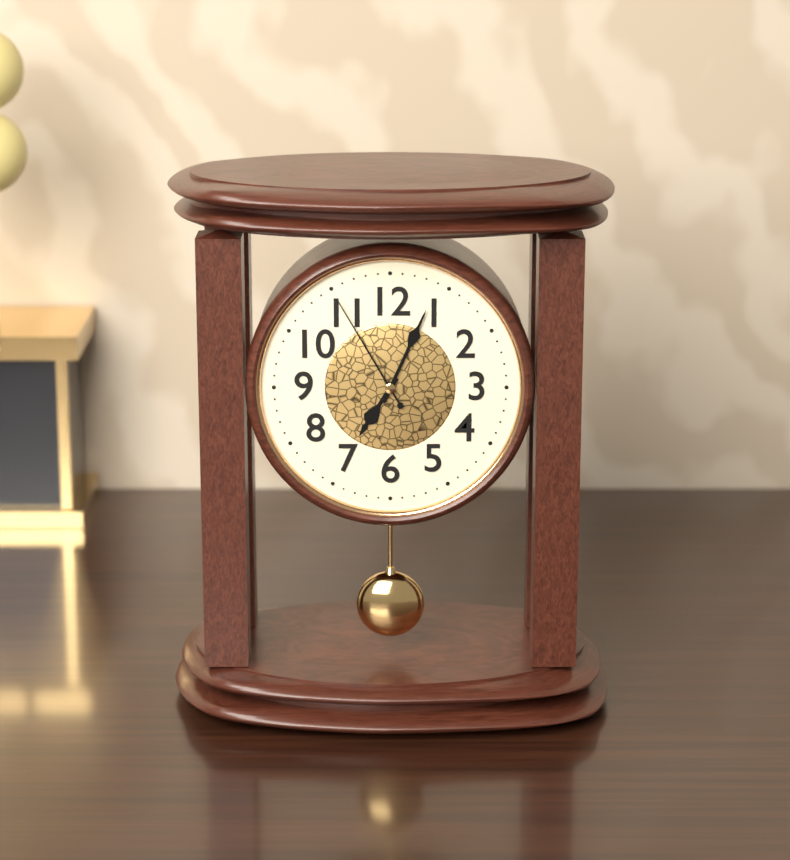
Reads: 7,04,55
